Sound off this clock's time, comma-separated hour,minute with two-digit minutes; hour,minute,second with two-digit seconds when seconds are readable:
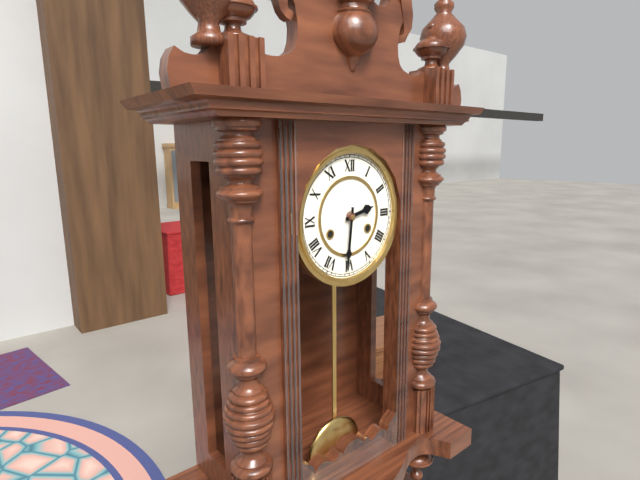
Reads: 2,31
